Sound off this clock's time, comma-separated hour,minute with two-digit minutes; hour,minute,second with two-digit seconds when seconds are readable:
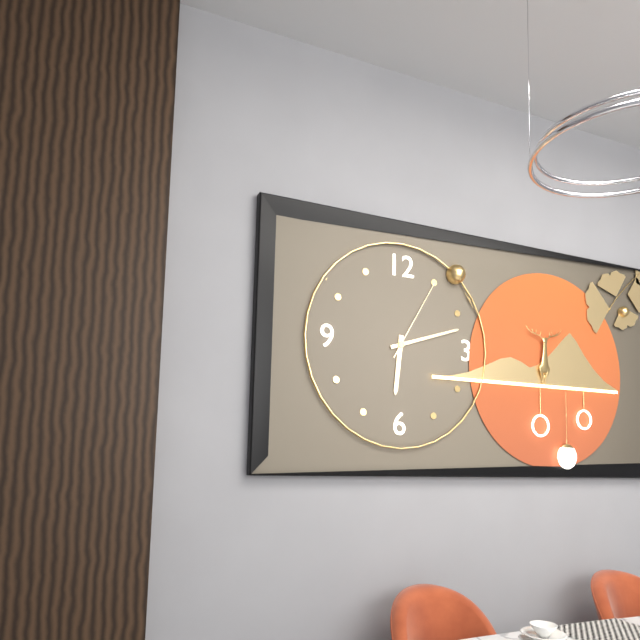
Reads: 6,12,05
